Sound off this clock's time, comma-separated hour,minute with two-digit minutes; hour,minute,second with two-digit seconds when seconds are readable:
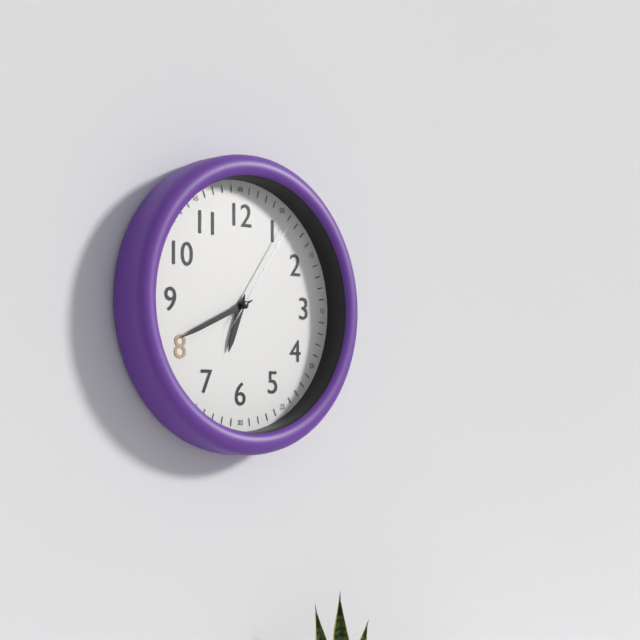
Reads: 6,41,06
